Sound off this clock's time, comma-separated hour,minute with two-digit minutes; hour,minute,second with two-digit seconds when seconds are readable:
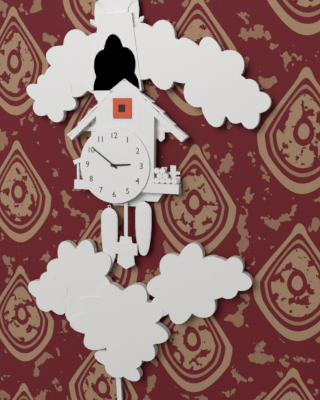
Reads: 2,51
